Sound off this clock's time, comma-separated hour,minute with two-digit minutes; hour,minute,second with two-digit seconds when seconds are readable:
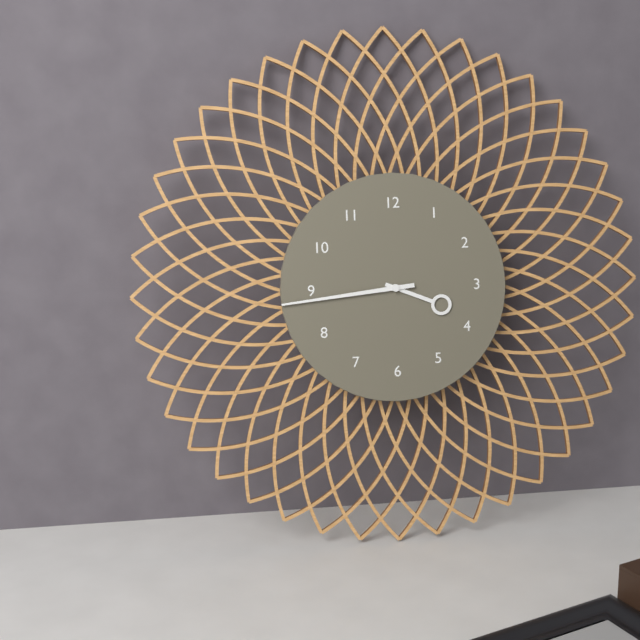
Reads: 3,44
